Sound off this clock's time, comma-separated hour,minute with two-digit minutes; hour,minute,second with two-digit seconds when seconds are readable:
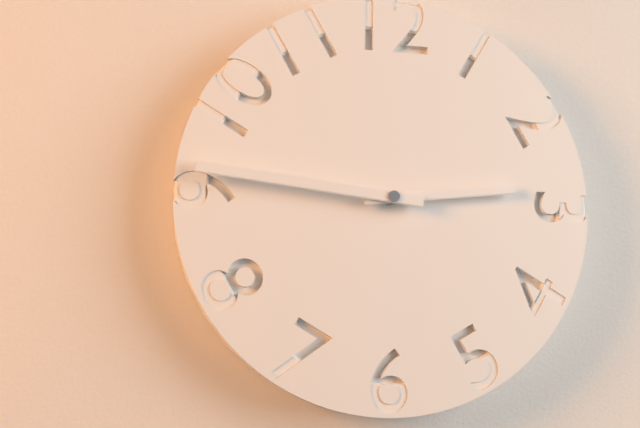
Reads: 2,46
